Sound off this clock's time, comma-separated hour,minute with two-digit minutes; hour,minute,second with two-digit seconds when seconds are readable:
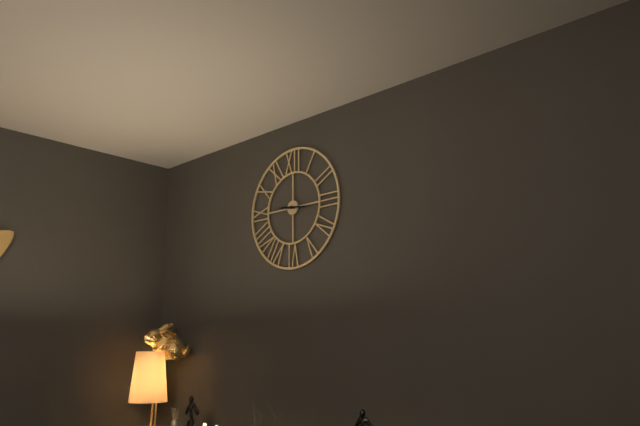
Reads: 9,16
